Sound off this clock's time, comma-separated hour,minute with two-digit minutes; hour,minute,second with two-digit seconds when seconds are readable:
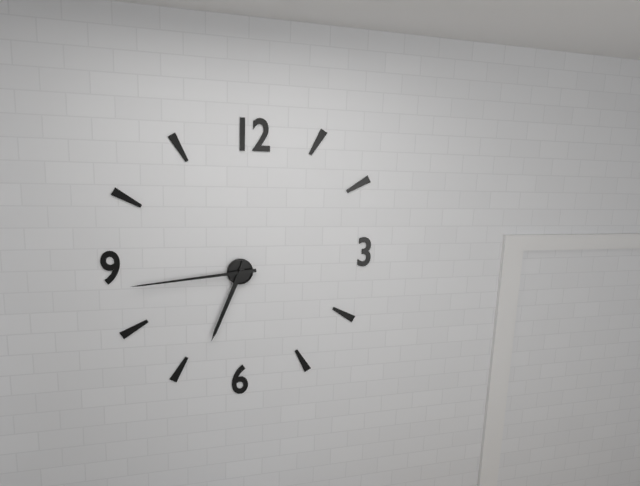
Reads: 6,44
